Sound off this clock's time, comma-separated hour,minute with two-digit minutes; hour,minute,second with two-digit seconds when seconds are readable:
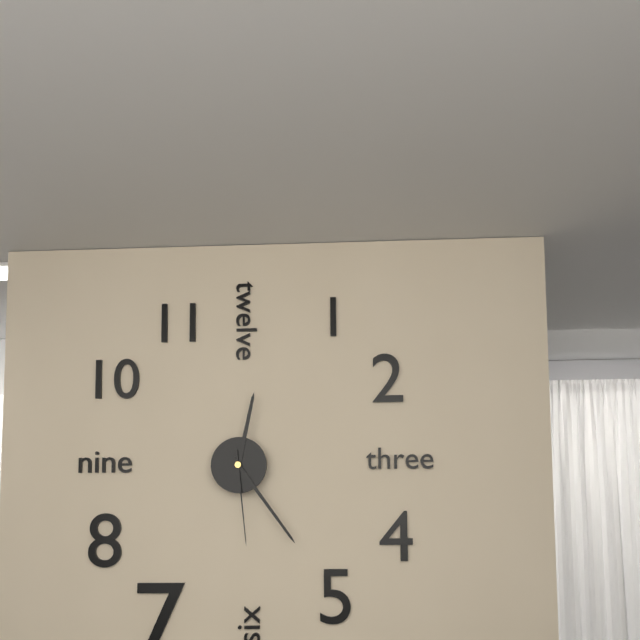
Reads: 12,24,29
